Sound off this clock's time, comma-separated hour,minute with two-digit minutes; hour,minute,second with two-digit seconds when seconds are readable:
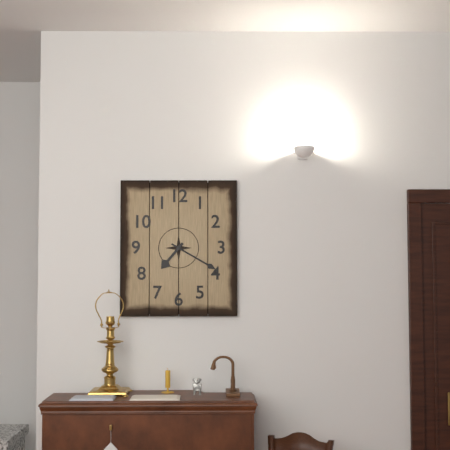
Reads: 7,20
